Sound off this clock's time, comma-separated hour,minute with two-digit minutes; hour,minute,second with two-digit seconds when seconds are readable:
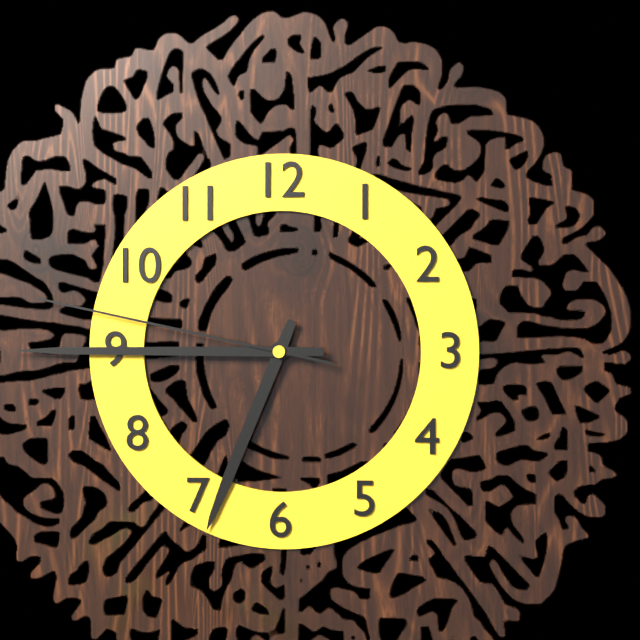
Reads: 6,45,47
